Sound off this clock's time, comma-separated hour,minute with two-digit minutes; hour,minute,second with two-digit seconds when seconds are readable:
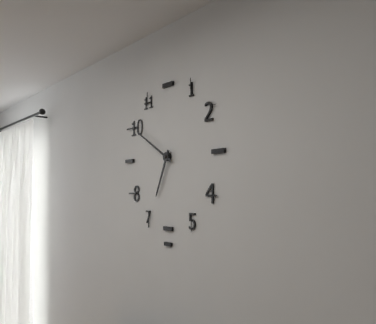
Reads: 6,50
